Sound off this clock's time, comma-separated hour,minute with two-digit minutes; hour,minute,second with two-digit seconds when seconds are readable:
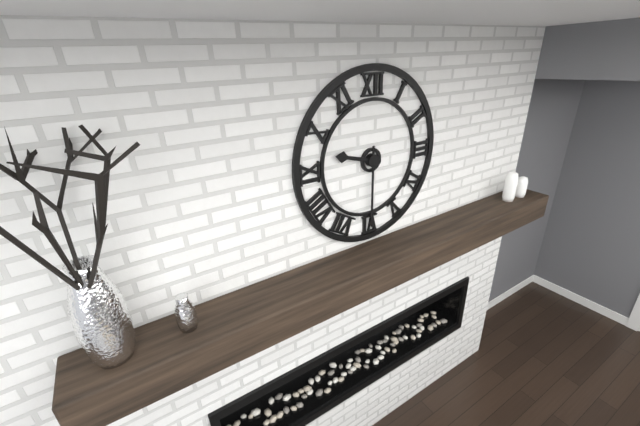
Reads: 9,30
